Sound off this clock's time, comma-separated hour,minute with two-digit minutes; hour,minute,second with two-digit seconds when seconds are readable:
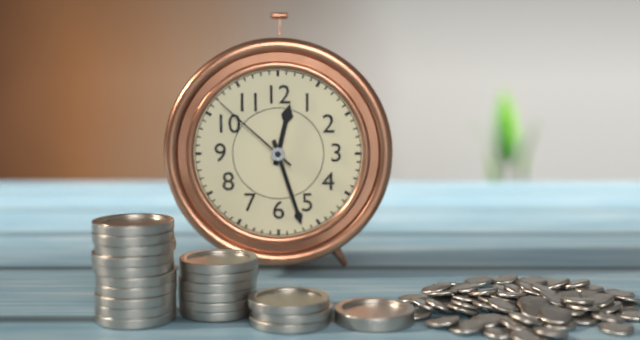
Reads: 12,27,52
